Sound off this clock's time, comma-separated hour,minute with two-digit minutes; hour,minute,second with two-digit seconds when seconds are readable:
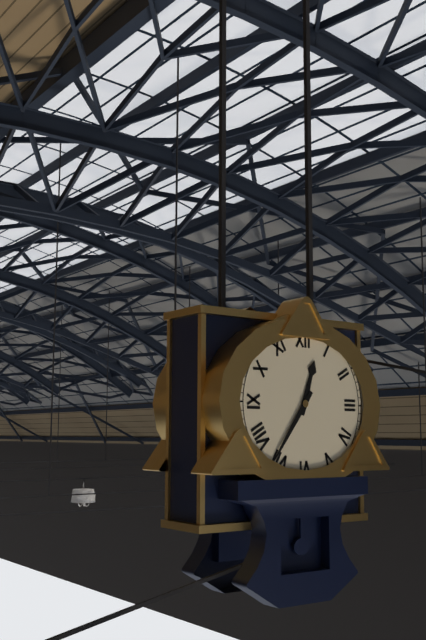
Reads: 12,36
